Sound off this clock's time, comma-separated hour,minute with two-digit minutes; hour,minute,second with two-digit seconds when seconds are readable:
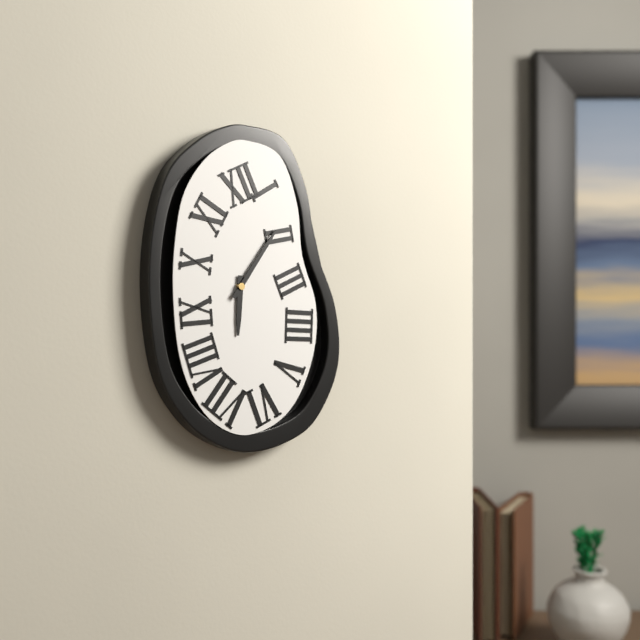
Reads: 6,06
